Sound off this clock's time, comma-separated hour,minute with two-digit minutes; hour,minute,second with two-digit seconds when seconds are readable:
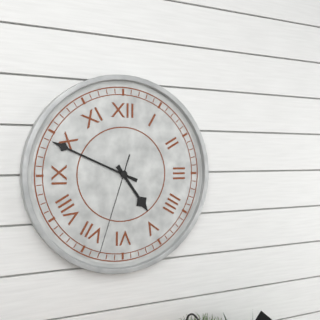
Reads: 4,49,33
